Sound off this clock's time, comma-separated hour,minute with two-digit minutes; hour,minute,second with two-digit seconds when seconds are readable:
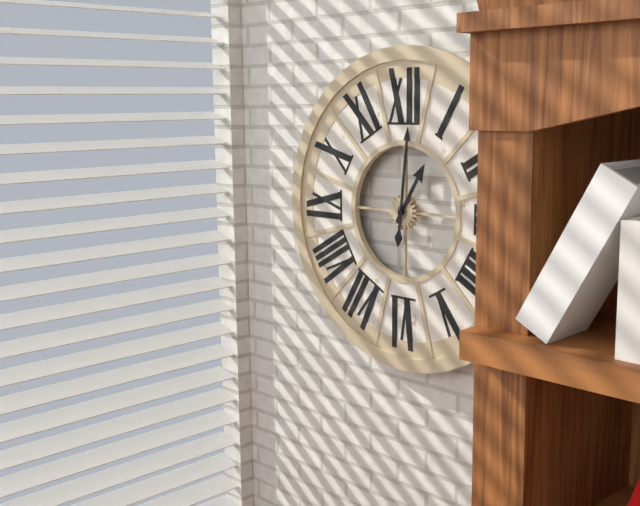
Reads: 1,01
